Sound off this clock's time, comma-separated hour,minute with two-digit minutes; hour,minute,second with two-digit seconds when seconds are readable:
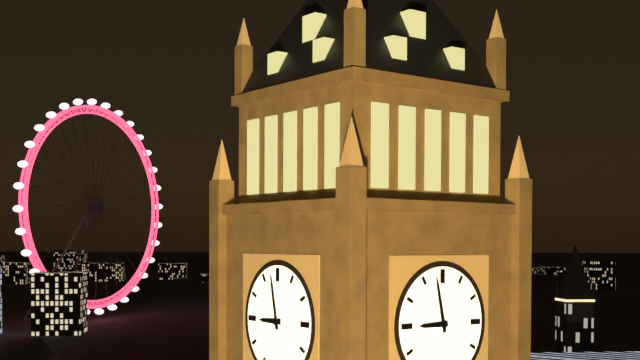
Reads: 8,58
